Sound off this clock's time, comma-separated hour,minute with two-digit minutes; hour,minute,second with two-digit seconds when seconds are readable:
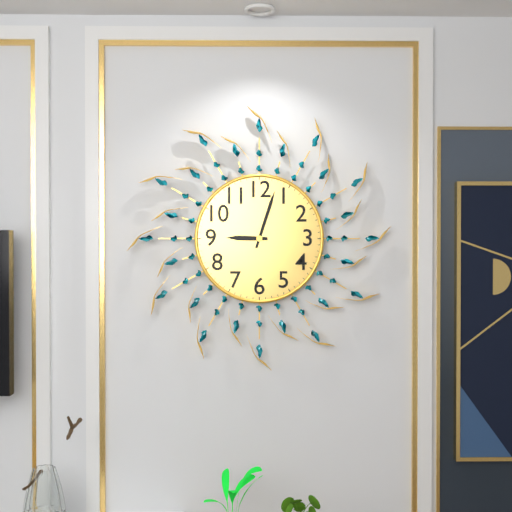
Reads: 9,03
